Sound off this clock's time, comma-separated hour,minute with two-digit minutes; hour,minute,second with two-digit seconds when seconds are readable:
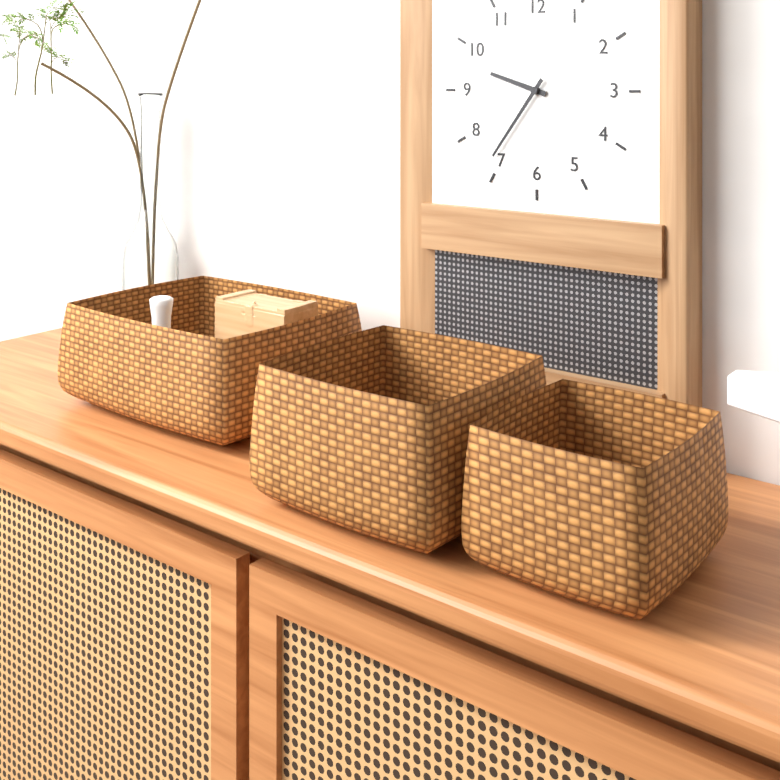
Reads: 9,36
